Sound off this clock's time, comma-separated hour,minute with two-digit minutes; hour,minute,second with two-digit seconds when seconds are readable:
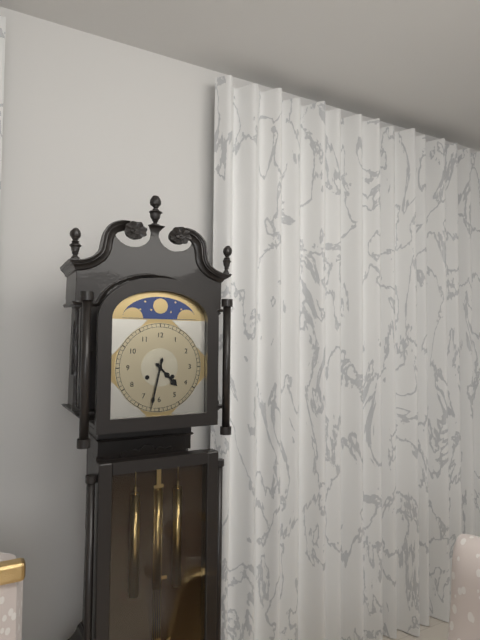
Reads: 4,32
